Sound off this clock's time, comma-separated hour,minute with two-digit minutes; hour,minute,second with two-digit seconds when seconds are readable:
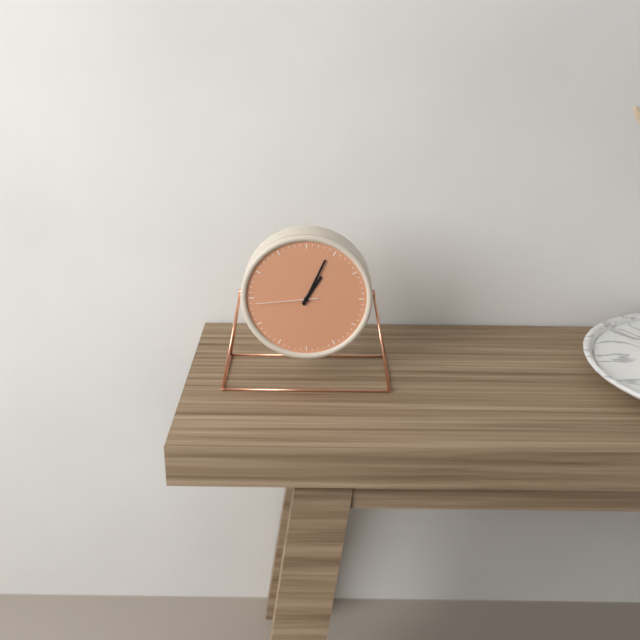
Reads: 1,04,44
